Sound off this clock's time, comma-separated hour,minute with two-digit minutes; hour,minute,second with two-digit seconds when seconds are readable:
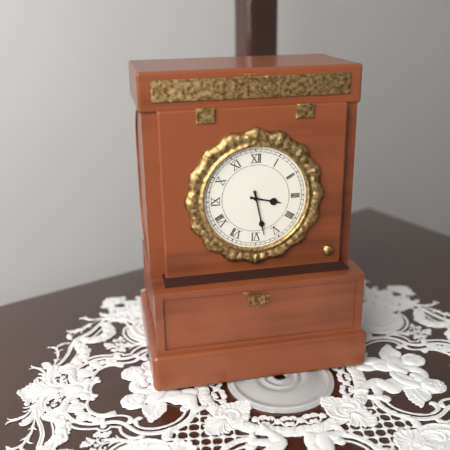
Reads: 3,28
